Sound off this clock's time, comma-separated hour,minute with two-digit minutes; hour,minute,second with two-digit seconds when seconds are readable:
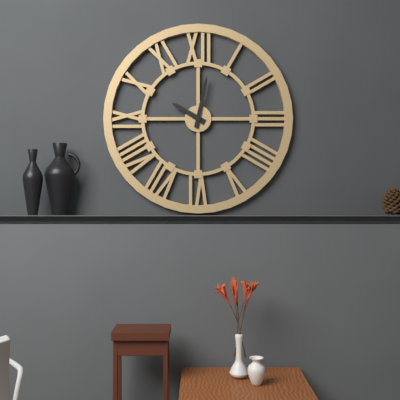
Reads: 10,02
